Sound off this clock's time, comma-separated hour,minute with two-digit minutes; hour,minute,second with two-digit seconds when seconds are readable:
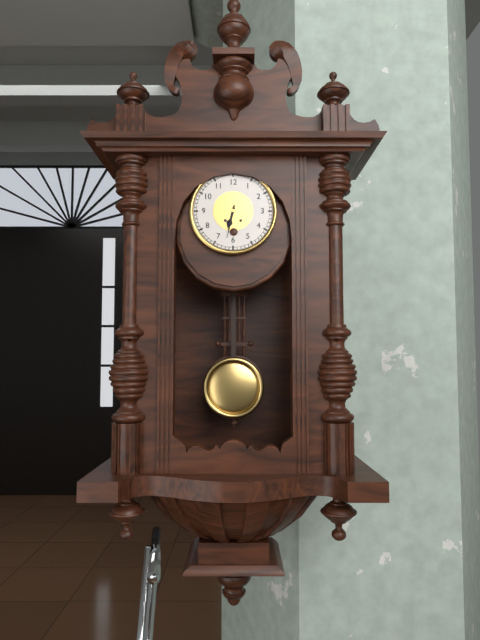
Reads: 6,32
